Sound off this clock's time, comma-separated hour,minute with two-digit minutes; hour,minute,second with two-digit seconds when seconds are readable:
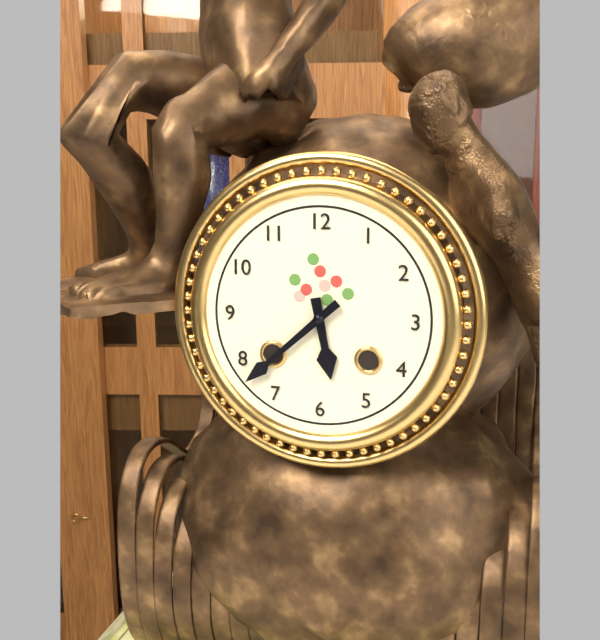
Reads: 5,38
